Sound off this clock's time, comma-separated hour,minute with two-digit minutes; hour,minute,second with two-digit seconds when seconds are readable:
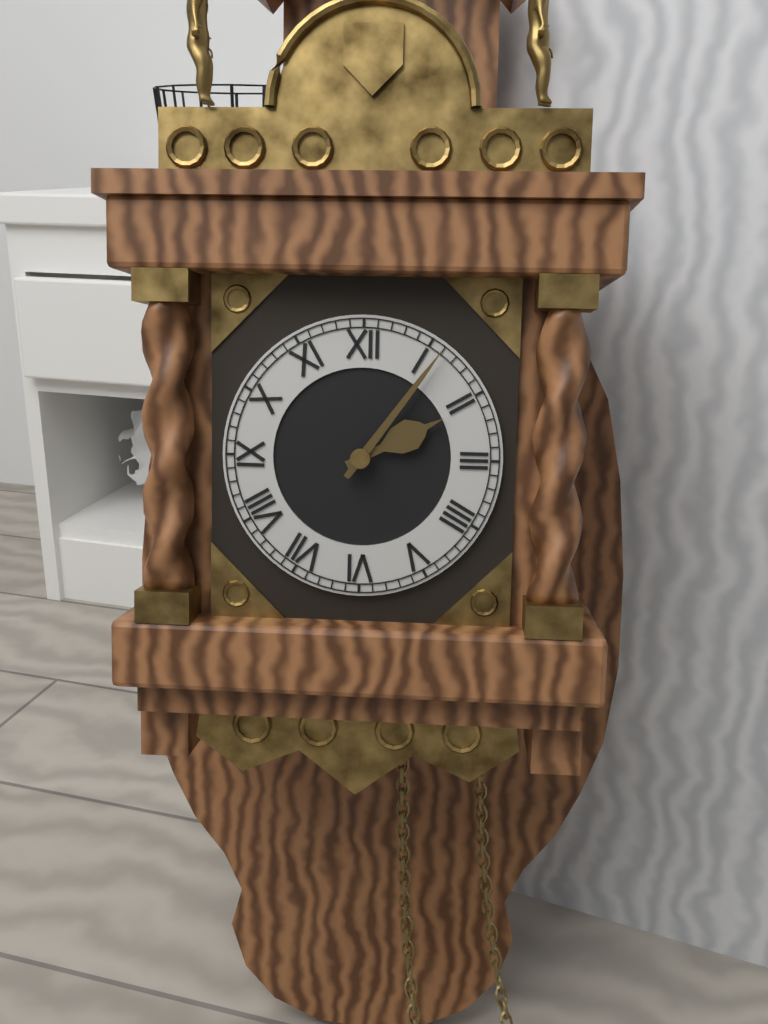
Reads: 2,06
